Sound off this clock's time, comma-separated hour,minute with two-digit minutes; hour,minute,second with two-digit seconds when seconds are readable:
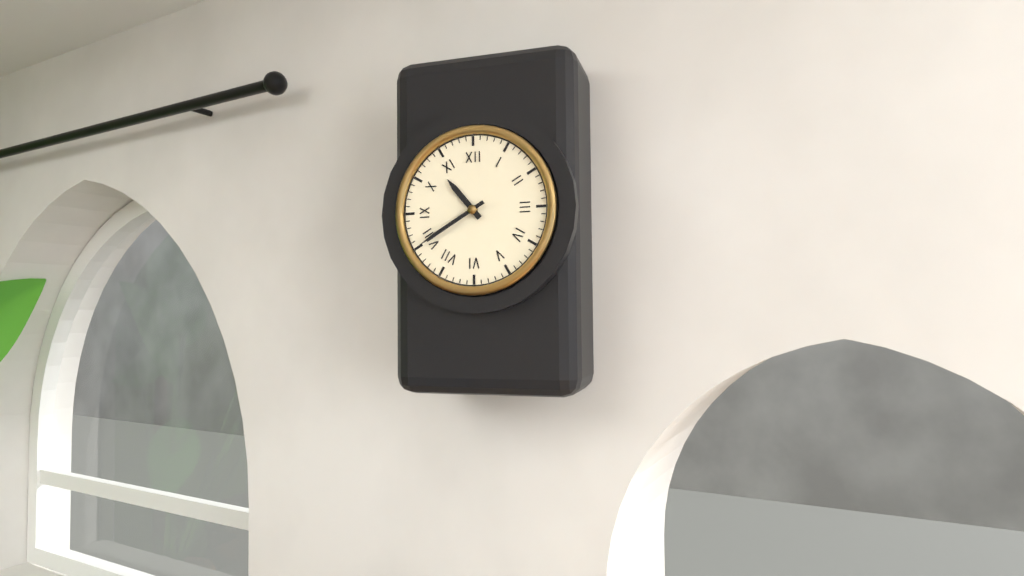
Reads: 10,40
